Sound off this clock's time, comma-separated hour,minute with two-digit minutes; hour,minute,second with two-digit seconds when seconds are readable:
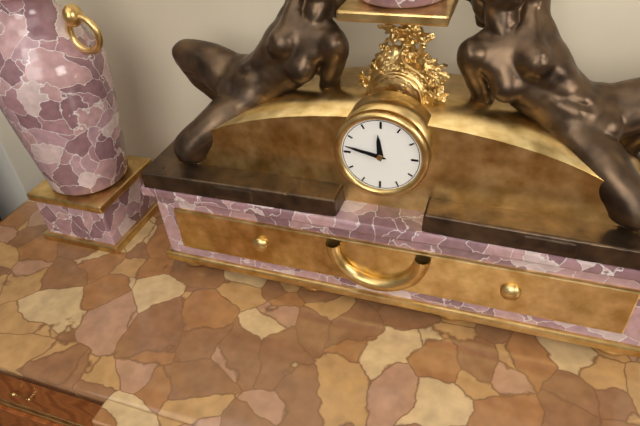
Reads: 11,47
